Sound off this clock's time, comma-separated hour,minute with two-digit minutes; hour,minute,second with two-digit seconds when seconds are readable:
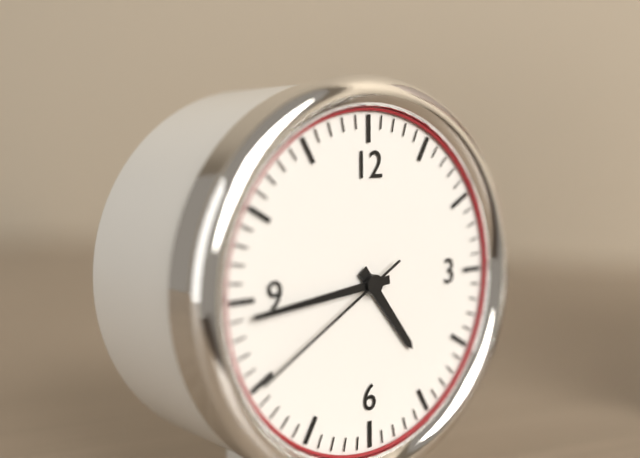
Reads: 4,44,40
